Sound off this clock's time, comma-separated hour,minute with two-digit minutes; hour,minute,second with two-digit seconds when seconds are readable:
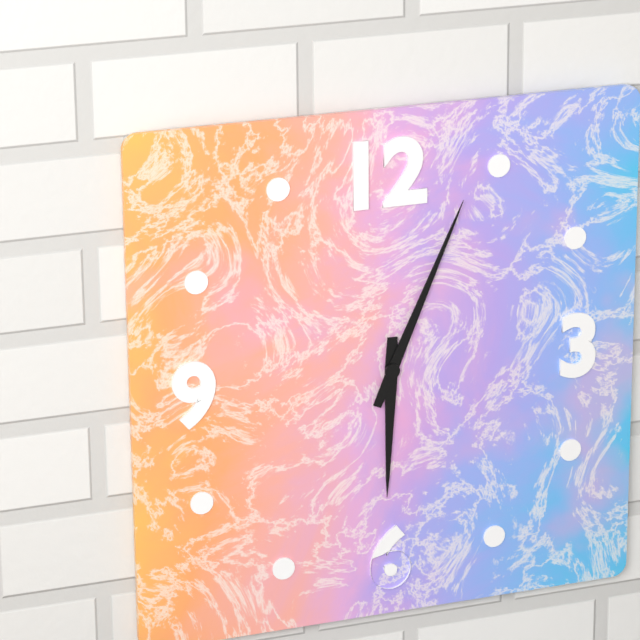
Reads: 6,04
